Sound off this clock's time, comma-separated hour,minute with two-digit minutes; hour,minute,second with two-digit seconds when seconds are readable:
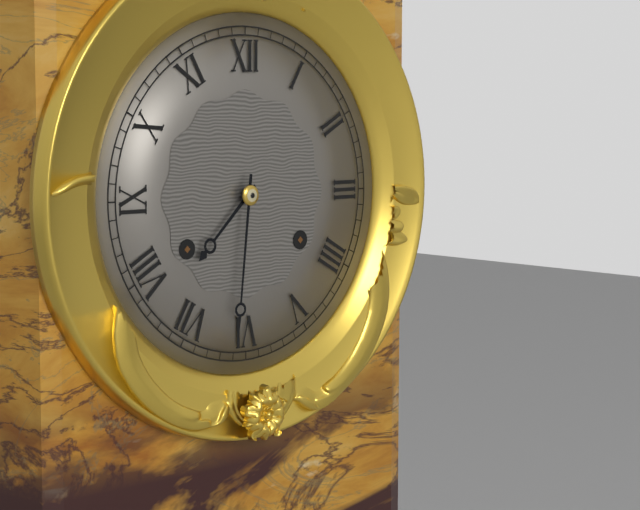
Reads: 7,31
